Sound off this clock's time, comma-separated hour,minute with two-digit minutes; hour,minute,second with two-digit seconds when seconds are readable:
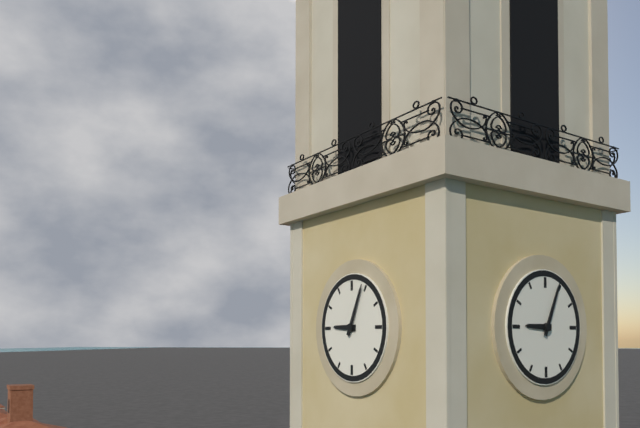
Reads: 9,04
